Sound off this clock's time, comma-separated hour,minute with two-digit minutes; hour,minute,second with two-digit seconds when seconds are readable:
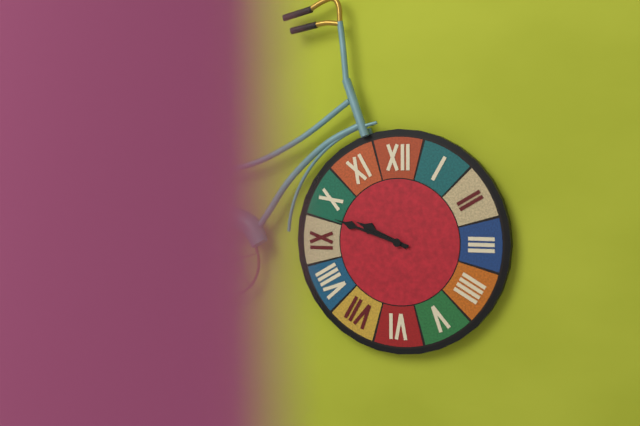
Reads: 9,48
